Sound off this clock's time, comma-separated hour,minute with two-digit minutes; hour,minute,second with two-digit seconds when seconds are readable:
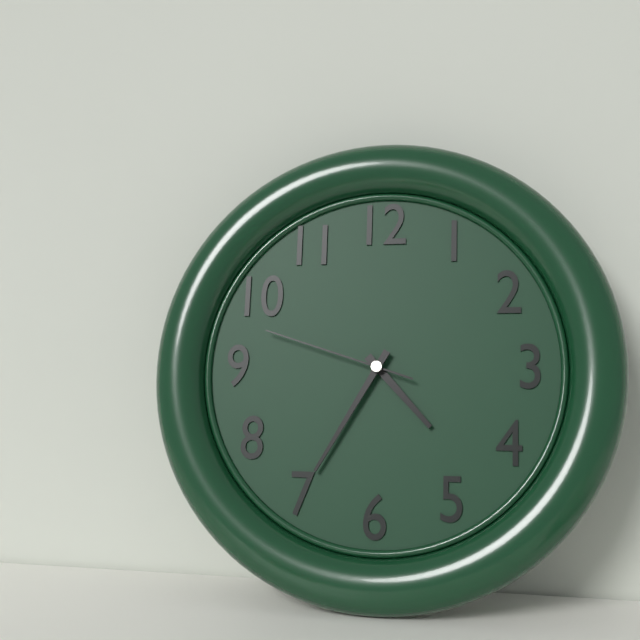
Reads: 4,35,48
